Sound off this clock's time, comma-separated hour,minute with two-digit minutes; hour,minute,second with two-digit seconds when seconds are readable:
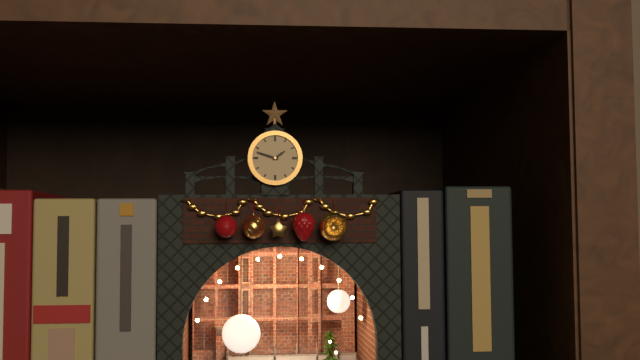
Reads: 1,48
